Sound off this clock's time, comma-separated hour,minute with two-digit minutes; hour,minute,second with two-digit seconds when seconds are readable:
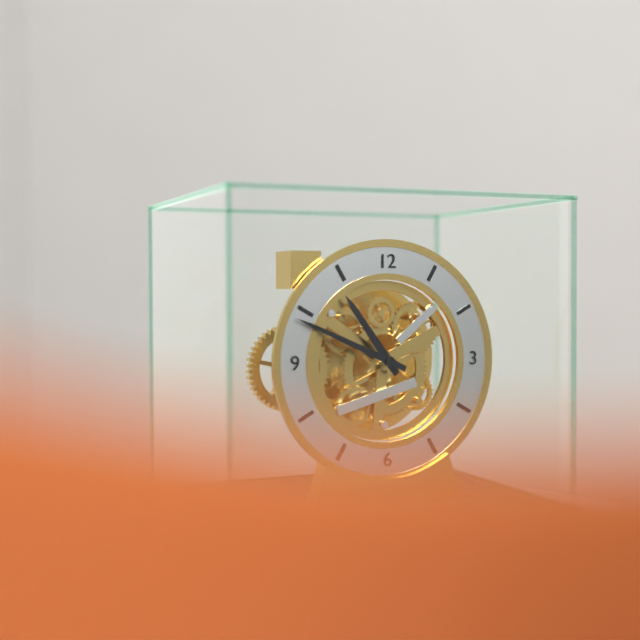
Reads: 10,49
